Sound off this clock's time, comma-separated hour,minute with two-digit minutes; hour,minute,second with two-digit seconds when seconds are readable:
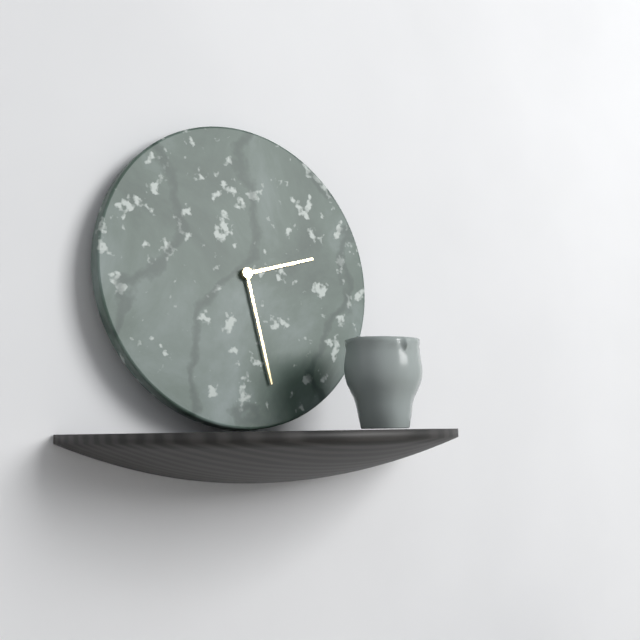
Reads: 2,28
